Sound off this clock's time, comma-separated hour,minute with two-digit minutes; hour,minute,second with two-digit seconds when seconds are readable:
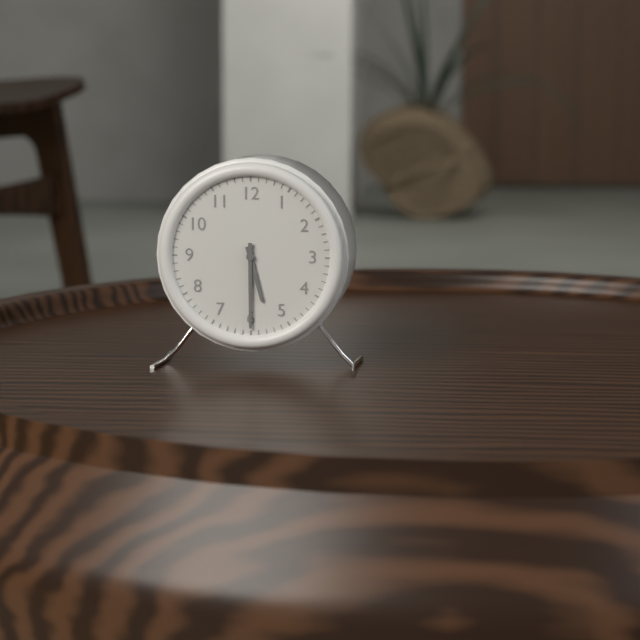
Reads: 5,30
